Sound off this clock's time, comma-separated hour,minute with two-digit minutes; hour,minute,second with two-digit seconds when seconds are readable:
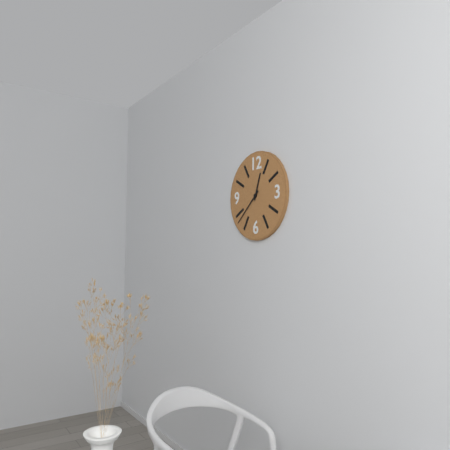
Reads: 12,38
